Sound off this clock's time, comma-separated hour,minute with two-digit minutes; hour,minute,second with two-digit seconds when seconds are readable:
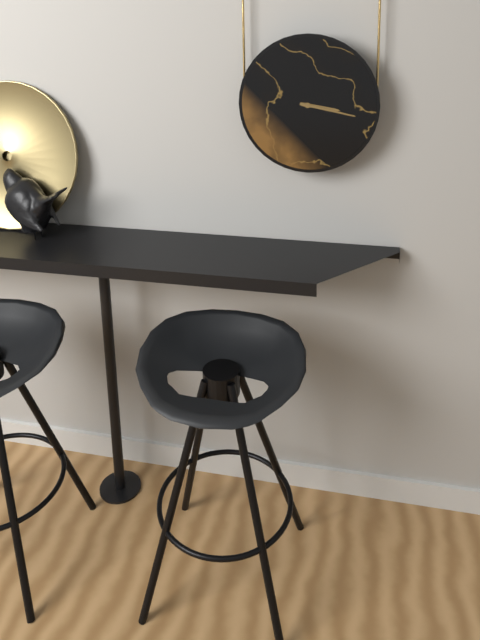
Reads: 3,17
